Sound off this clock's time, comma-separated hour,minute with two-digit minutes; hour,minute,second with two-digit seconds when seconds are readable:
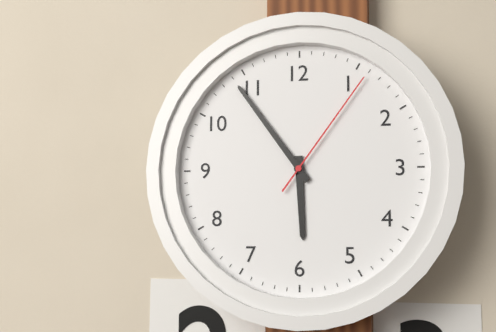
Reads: 5,54,06
